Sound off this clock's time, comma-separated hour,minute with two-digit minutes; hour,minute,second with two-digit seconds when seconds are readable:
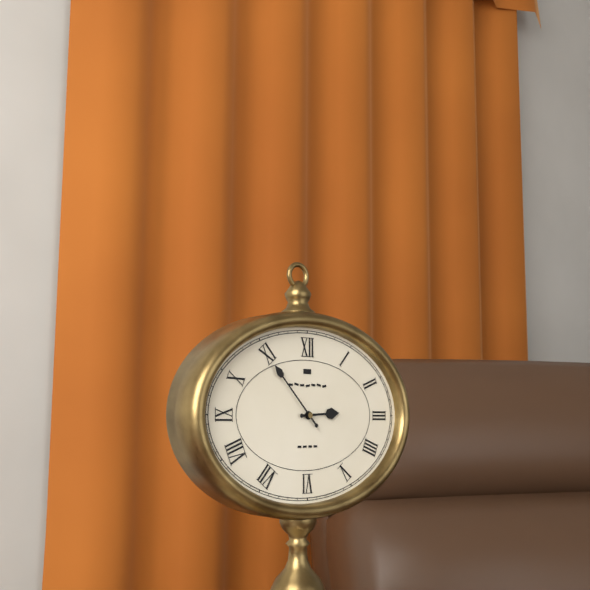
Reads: 2,53
